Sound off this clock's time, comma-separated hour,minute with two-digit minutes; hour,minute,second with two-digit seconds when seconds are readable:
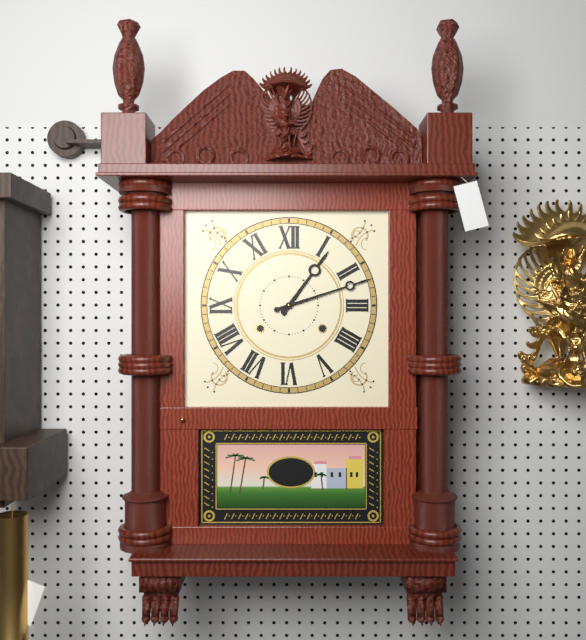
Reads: 1,12
